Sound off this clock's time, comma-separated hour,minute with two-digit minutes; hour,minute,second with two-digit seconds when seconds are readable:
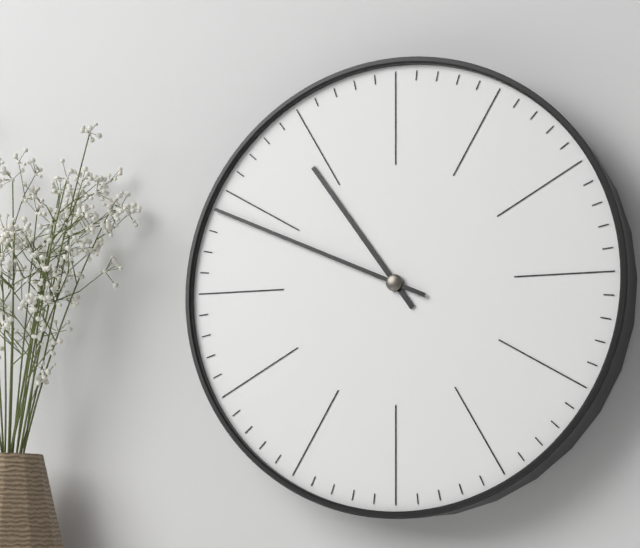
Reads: 10,49
